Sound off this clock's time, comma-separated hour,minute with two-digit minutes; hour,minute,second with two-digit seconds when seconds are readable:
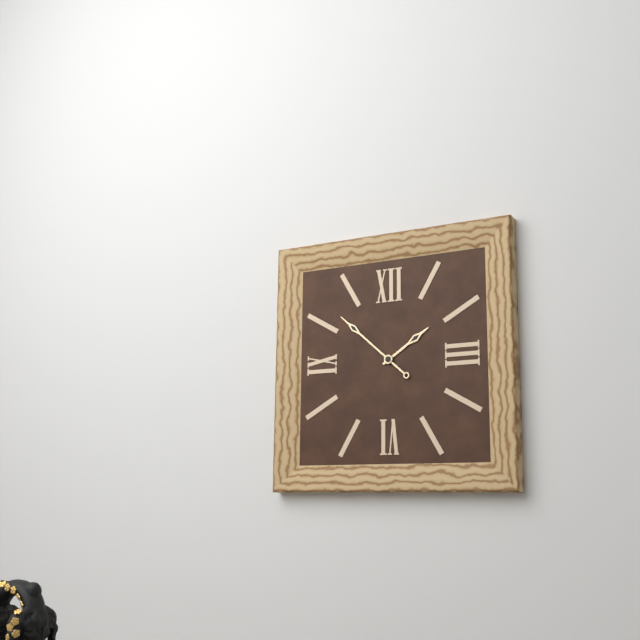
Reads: 1,52
